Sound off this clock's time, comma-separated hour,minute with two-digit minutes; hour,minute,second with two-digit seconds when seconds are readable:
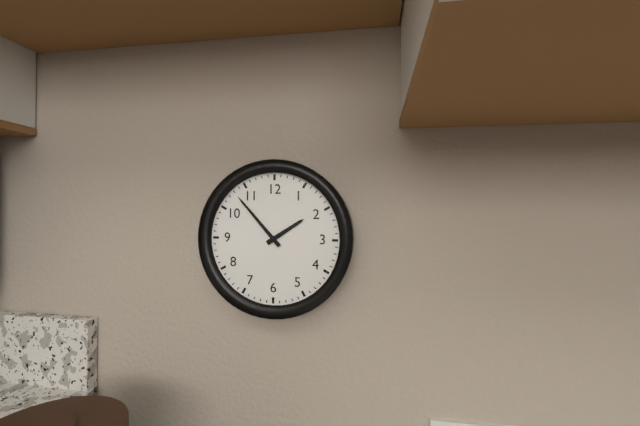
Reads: 1,53
